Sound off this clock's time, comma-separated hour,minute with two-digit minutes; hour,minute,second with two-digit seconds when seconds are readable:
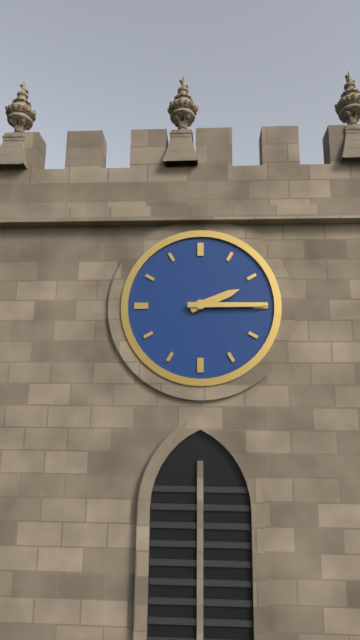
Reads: 2,15
